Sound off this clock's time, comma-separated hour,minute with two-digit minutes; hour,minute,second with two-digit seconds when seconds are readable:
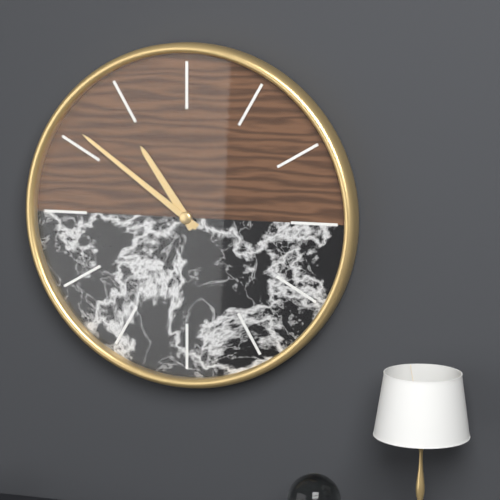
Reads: 10,51
